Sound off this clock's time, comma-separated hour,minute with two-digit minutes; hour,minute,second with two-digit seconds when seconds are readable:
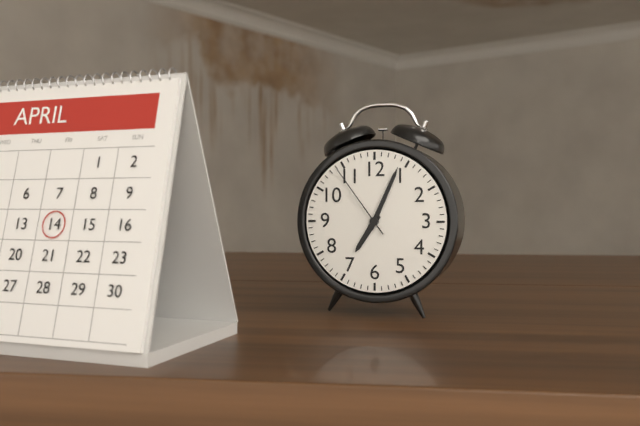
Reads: 7,04,54
